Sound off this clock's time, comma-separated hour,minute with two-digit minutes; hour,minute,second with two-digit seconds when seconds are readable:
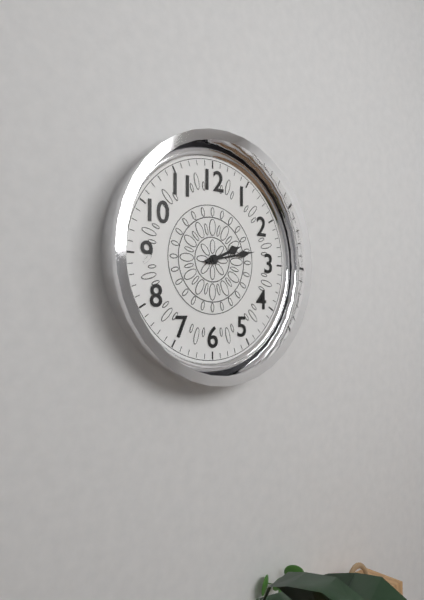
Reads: 2,13
